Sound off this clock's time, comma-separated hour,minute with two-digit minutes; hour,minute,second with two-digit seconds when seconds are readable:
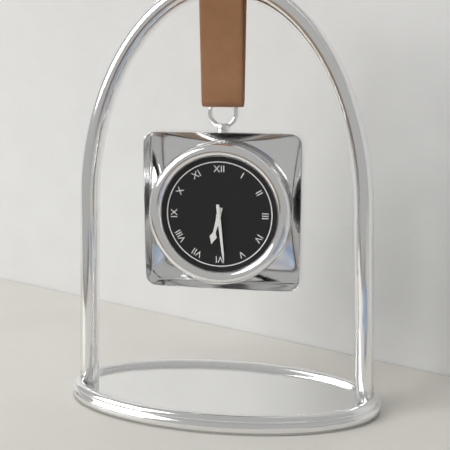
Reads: 6,29
